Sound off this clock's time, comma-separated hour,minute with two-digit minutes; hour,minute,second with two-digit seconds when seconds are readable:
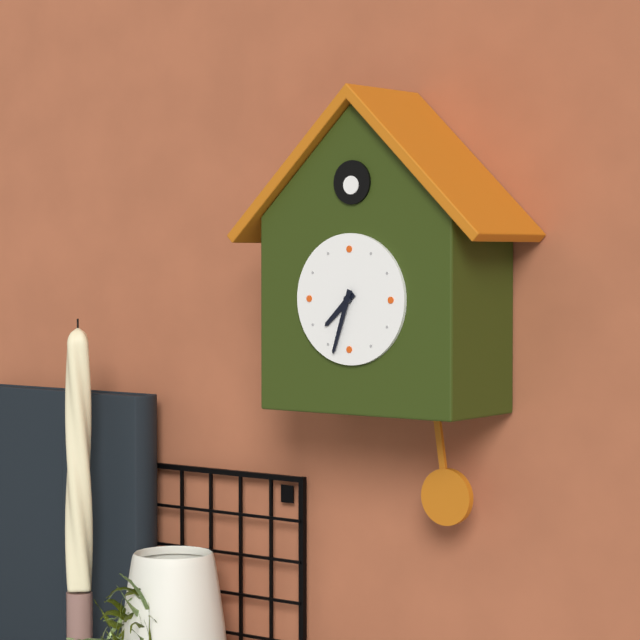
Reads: 7,33
